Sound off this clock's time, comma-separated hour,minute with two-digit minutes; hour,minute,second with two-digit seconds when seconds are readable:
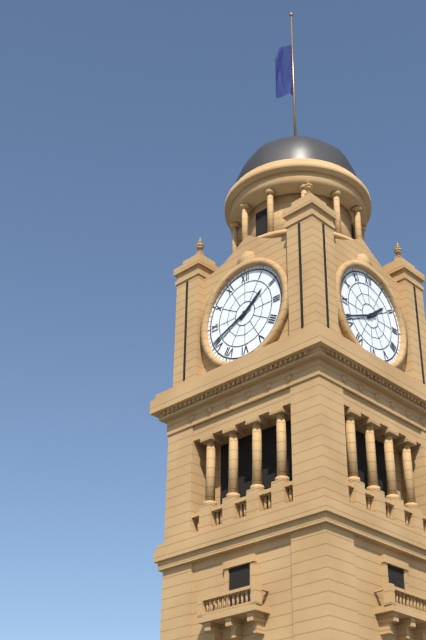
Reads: 1,41
